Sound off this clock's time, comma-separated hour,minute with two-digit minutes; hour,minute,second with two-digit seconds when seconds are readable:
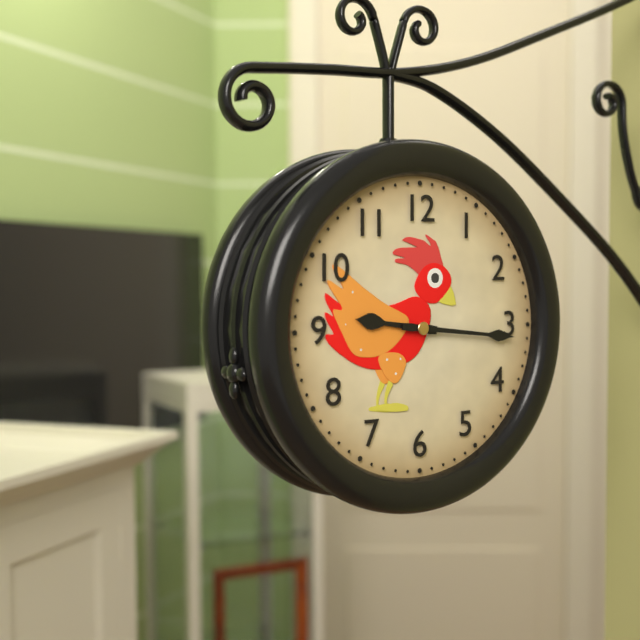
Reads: 9,16
